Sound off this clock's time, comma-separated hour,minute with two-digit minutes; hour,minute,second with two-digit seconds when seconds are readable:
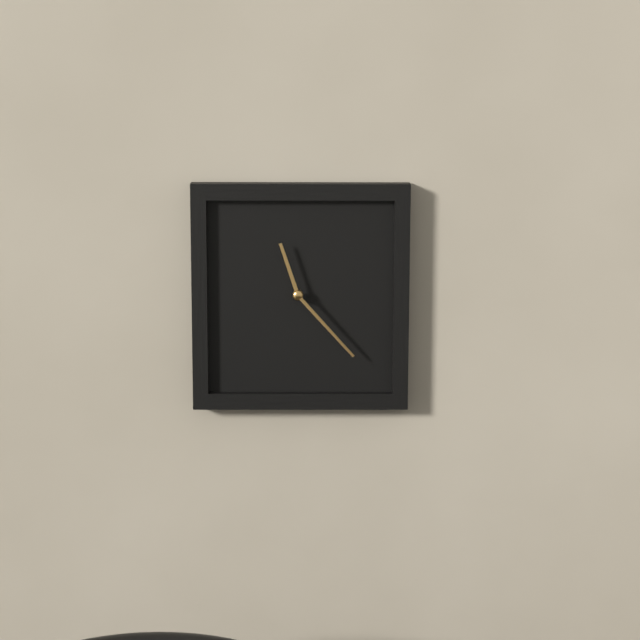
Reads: 11,23
